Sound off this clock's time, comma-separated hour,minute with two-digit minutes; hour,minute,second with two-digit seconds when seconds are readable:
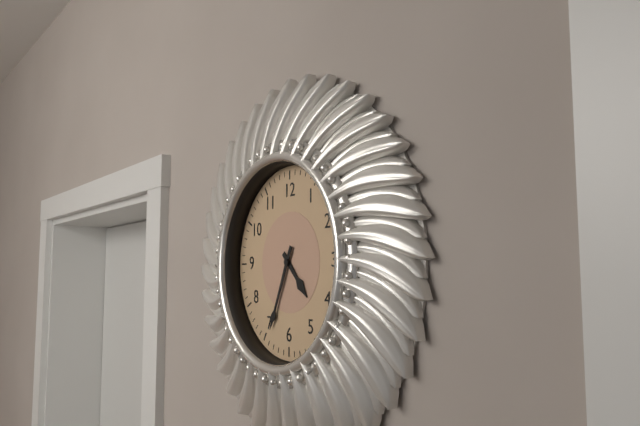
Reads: 4,34
